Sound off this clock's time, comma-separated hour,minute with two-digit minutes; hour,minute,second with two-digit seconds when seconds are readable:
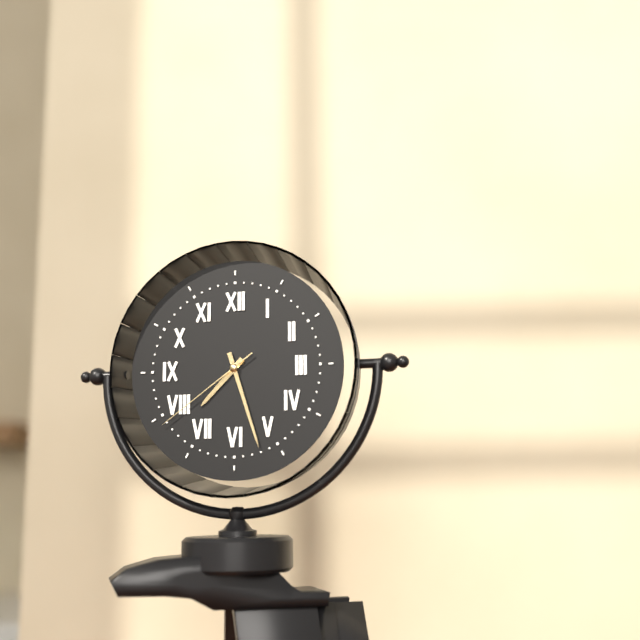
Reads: 7,27,39
